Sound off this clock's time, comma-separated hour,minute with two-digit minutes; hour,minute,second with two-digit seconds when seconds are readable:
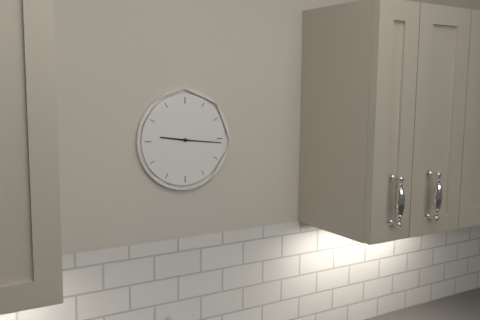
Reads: 9,16
